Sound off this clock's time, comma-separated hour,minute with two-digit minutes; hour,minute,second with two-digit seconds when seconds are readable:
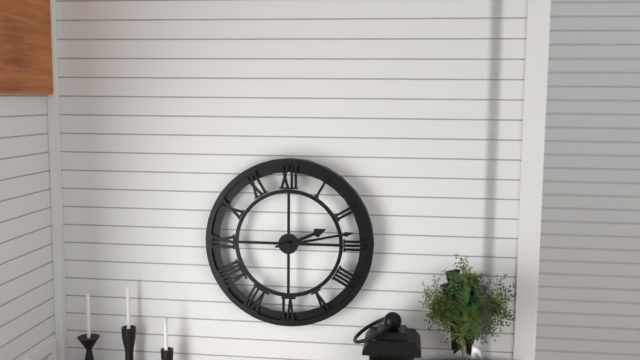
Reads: 2,13
